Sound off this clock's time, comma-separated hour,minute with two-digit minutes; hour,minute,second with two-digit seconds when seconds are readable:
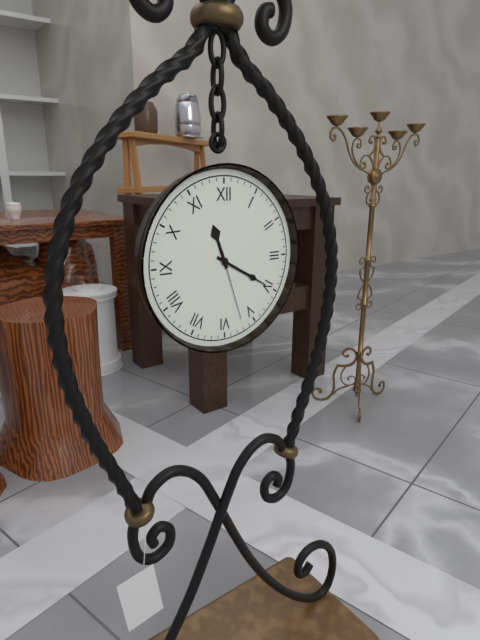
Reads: 11,20,27
